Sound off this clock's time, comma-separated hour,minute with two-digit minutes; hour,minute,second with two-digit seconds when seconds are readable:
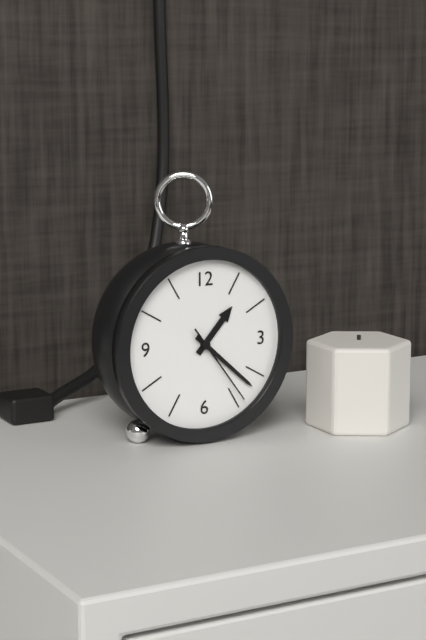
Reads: 1,22,24
